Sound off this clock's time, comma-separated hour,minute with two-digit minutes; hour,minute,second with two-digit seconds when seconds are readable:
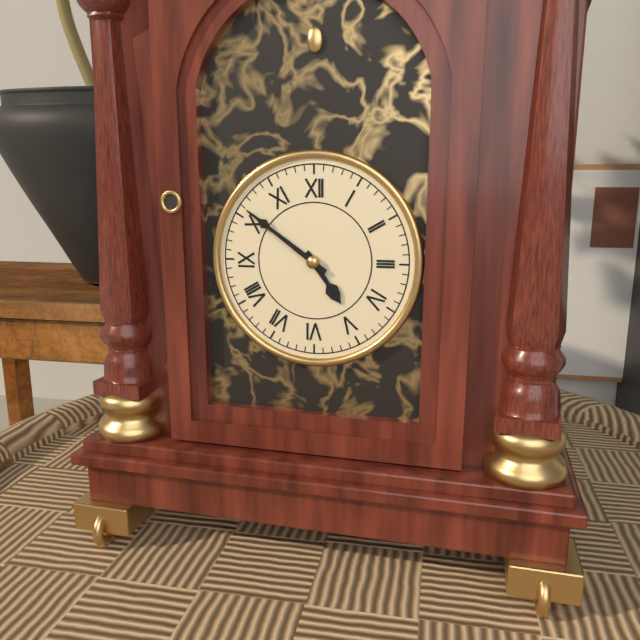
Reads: 4,51
